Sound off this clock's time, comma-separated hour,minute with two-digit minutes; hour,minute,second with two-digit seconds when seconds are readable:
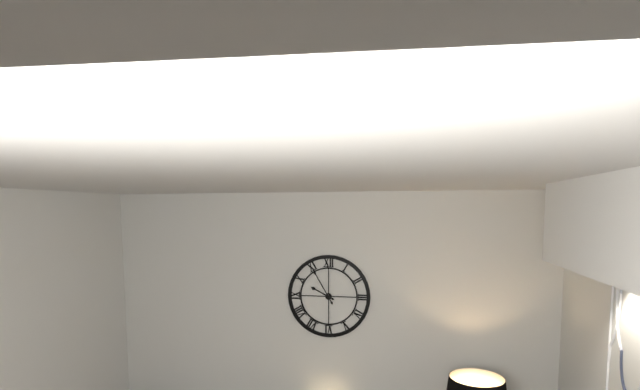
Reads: 9,55
